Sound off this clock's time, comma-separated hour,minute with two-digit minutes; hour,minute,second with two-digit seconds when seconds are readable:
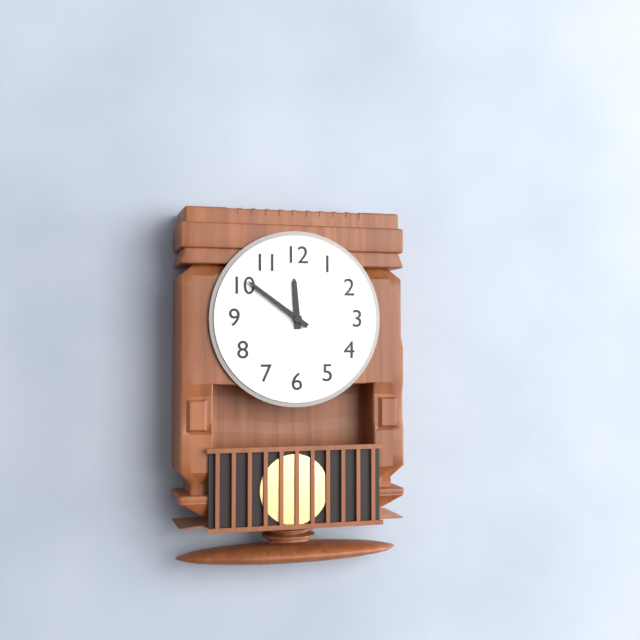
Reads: 11,51
